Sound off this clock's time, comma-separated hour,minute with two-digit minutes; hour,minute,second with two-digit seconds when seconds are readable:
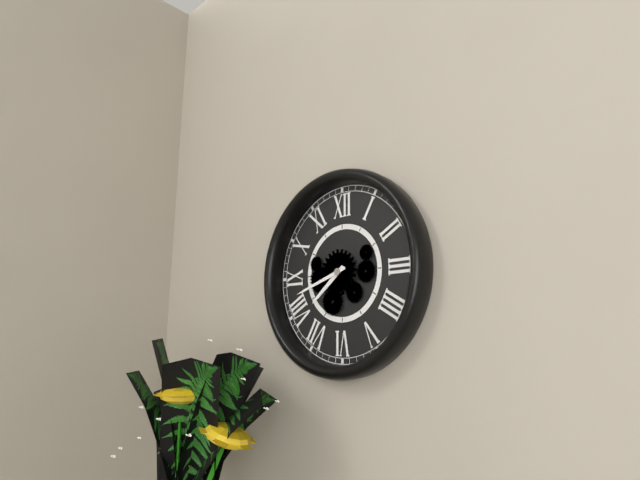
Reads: 7,42
